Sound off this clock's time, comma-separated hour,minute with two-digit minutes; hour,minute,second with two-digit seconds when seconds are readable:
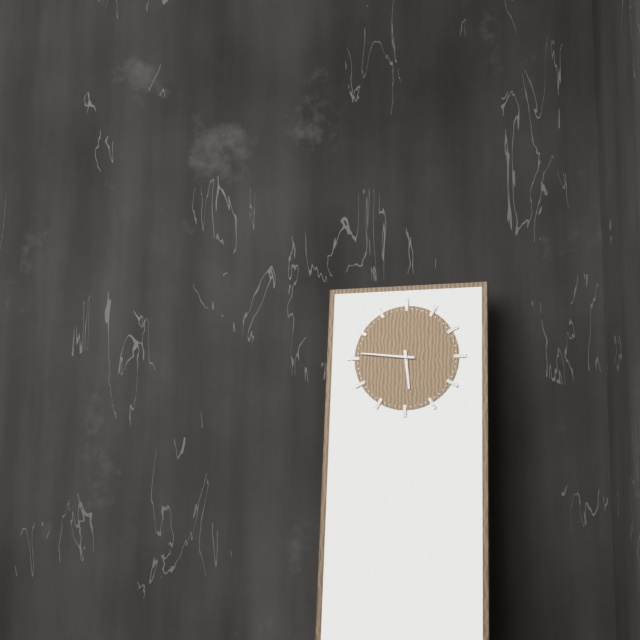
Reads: 5,46
